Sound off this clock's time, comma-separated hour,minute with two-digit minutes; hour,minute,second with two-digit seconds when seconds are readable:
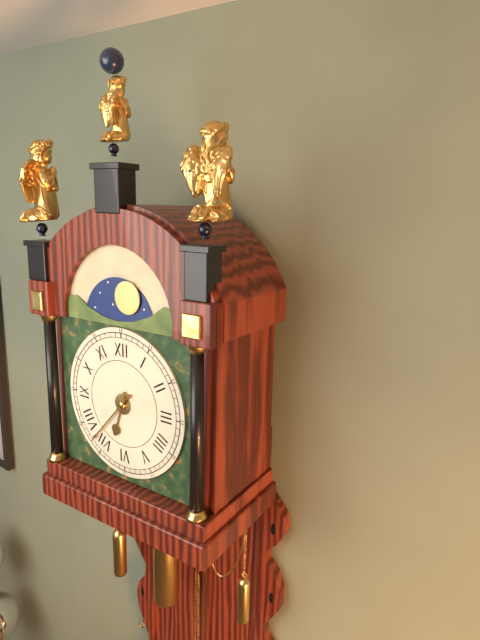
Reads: 6,37
